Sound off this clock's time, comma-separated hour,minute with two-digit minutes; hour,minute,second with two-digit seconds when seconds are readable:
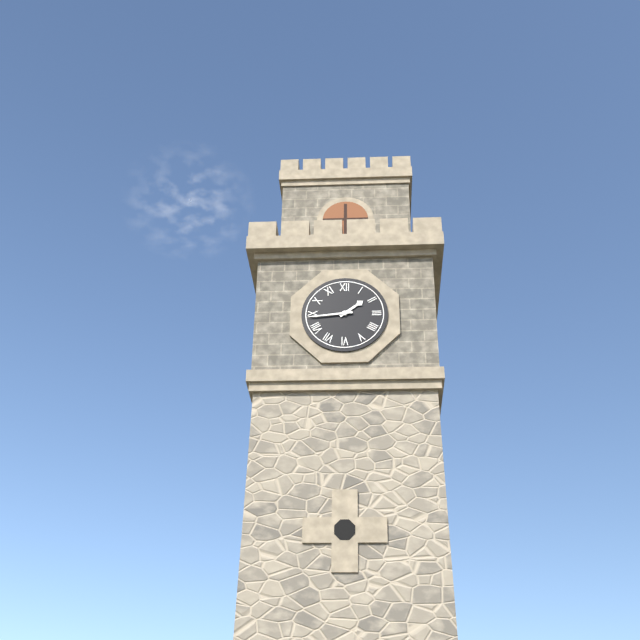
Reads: 1,44
